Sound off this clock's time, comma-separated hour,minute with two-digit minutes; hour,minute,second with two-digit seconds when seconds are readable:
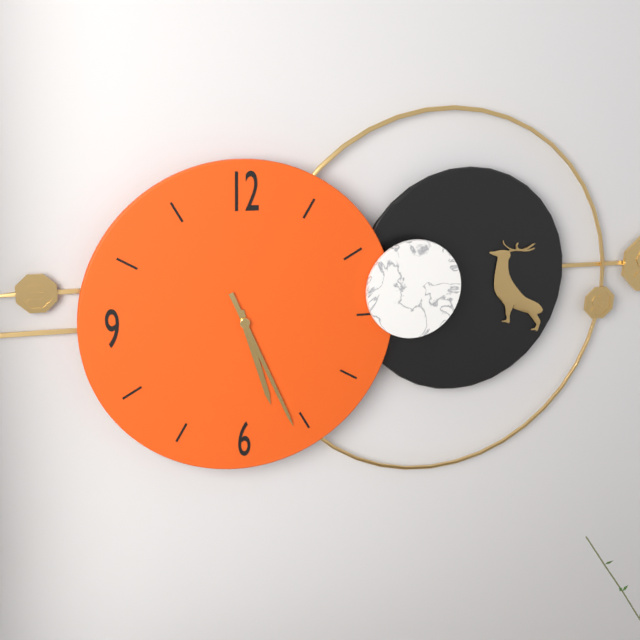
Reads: 5,26
